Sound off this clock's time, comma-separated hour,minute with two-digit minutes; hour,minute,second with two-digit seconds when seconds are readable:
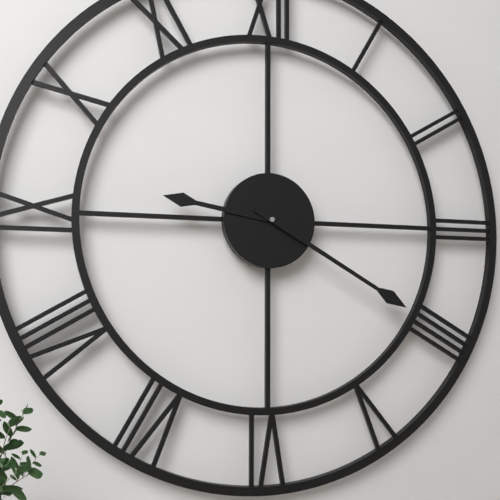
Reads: 9,20
